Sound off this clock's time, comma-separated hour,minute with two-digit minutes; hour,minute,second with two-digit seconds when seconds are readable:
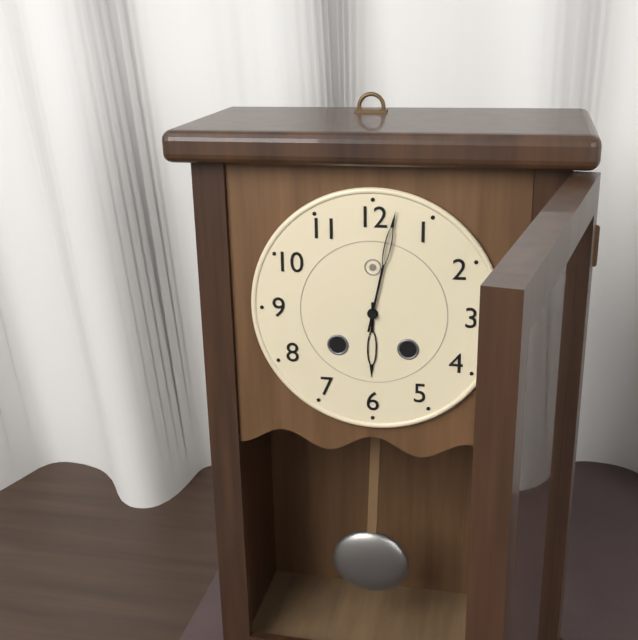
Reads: 6,02
